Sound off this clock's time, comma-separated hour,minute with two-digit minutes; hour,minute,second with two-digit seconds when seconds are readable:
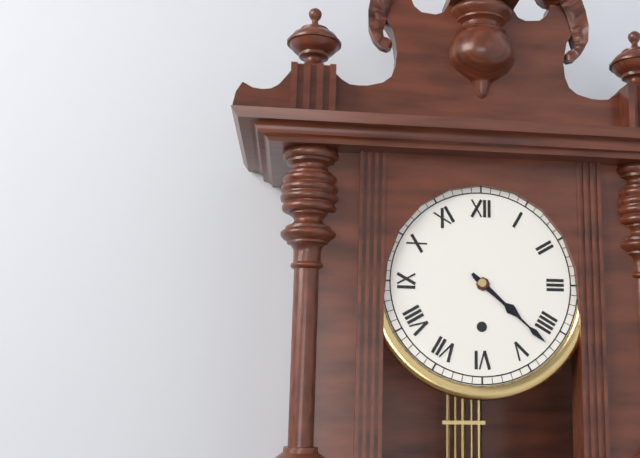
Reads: 4,22
